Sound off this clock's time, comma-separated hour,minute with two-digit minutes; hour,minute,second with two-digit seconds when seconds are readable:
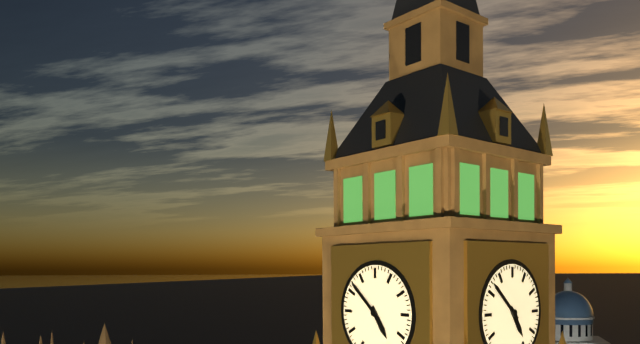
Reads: 4,52
